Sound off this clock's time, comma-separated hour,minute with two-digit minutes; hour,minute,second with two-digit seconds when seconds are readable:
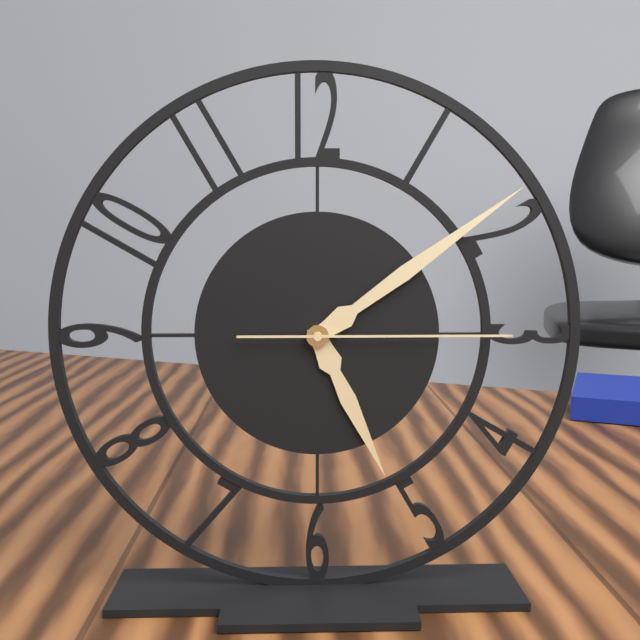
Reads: 5,09,15
